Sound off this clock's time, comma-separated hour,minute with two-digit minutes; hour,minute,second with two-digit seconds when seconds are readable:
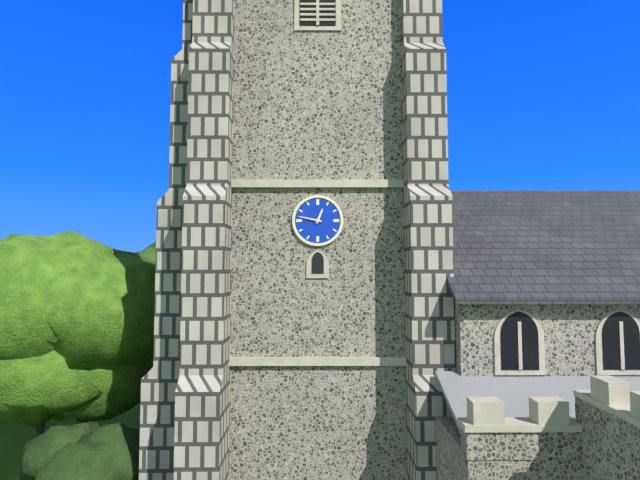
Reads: 12,47
